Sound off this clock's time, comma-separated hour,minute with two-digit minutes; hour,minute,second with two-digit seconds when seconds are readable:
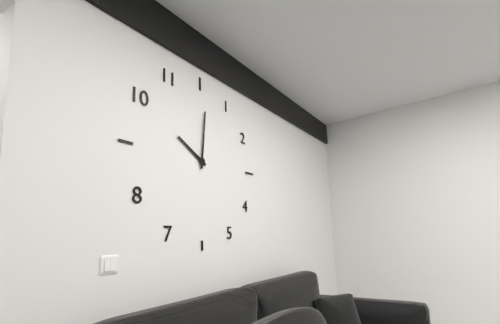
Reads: 10,01
